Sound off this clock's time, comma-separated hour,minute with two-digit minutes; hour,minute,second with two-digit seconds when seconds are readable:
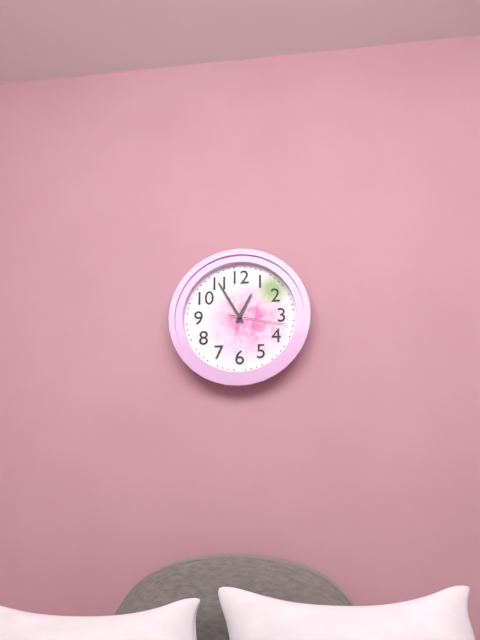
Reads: 12,55,17
